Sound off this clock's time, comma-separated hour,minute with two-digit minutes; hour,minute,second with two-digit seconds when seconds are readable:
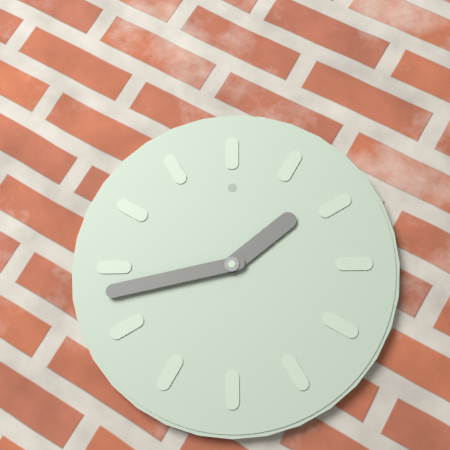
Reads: 1,43
